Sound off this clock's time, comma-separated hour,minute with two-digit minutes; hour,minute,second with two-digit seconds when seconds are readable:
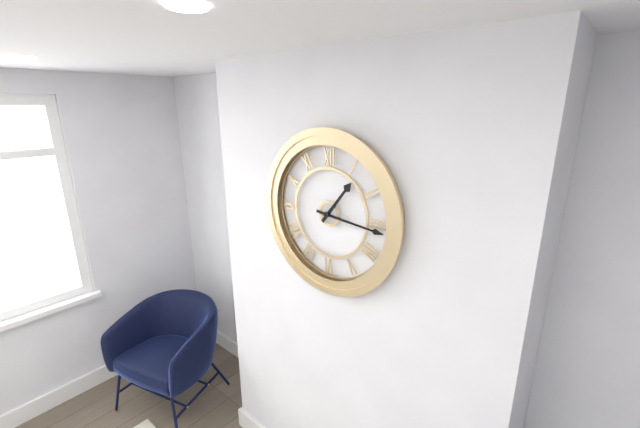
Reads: 1,16
